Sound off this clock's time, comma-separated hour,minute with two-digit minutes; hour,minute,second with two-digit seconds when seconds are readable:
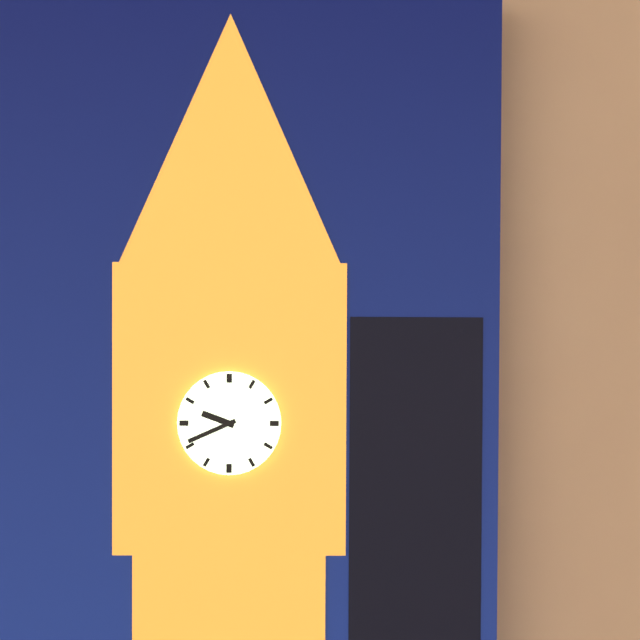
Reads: 9,41
